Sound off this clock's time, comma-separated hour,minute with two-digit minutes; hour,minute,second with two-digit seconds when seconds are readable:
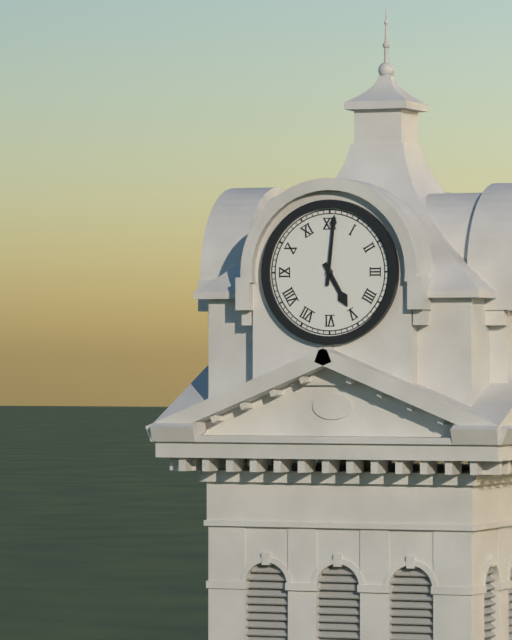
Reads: 5,01
